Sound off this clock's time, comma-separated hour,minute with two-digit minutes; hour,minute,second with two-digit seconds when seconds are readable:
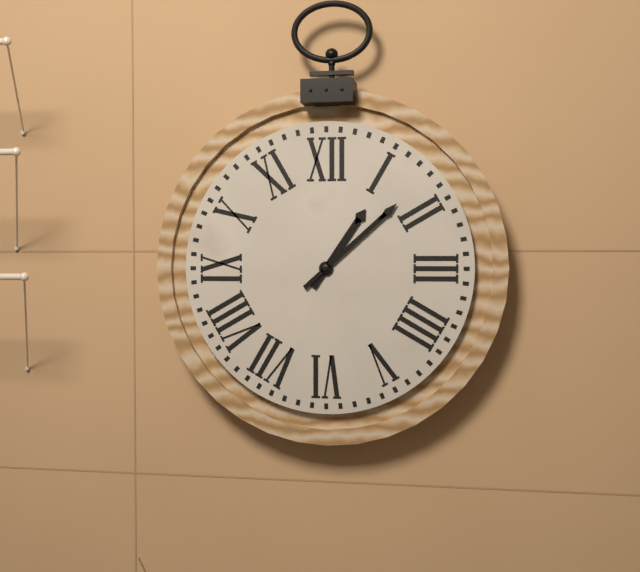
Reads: 1,08
